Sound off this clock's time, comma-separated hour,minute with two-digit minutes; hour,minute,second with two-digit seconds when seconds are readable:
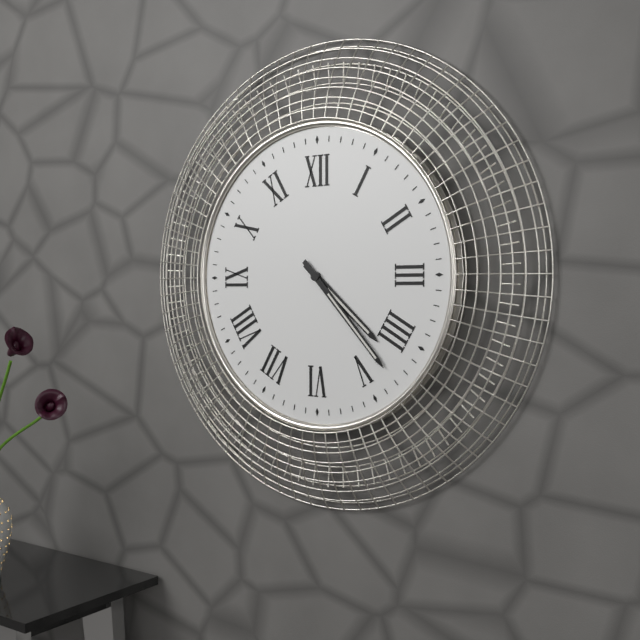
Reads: 4,23
